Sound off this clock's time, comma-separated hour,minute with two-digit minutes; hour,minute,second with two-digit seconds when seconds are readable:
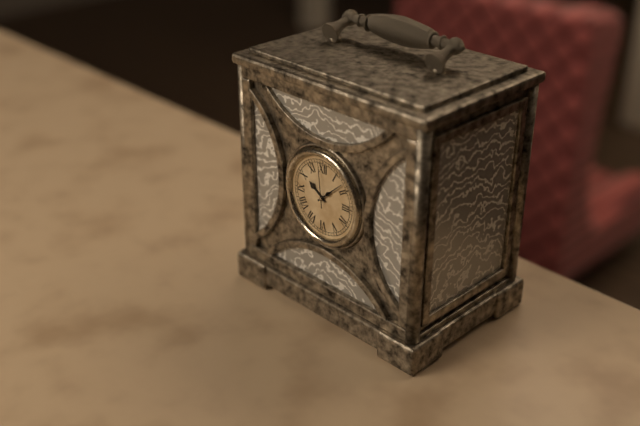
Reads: 10,08
